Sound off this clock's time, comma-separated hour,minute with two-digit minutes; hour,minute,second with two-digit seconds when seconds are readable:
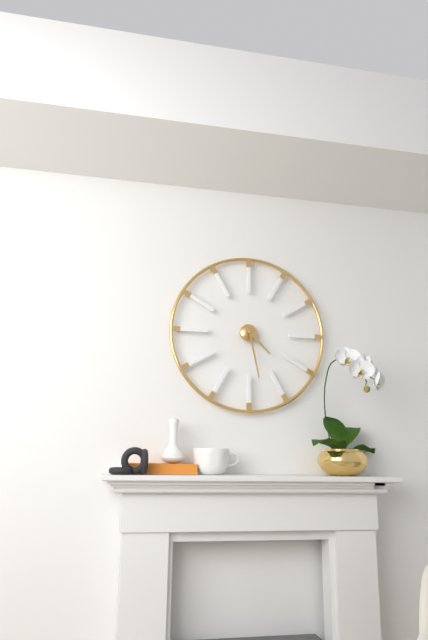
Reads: 4,28
